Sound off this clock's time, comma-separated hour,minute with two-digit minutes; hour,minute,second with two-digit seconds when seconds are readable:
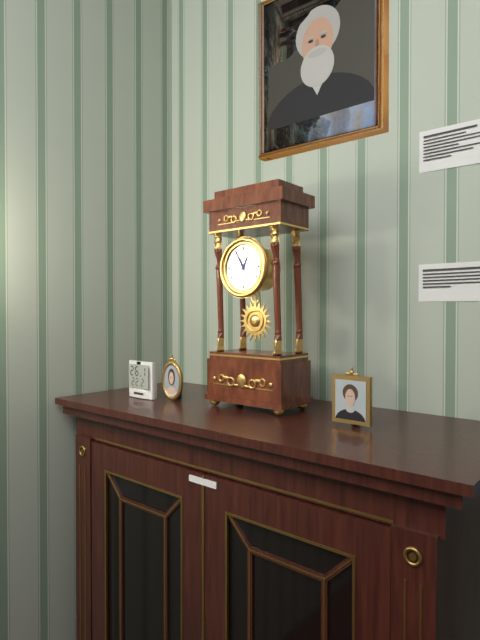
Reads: 12,55
